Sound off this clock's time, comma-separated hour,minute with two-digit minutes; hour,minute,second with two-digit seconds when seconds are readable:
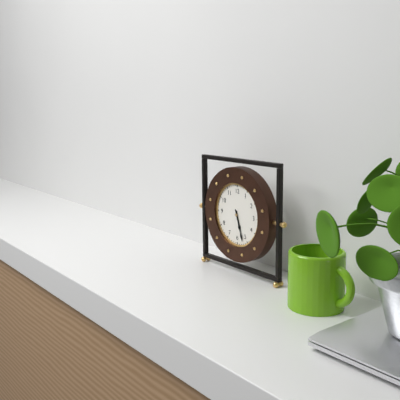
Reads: 5,27
